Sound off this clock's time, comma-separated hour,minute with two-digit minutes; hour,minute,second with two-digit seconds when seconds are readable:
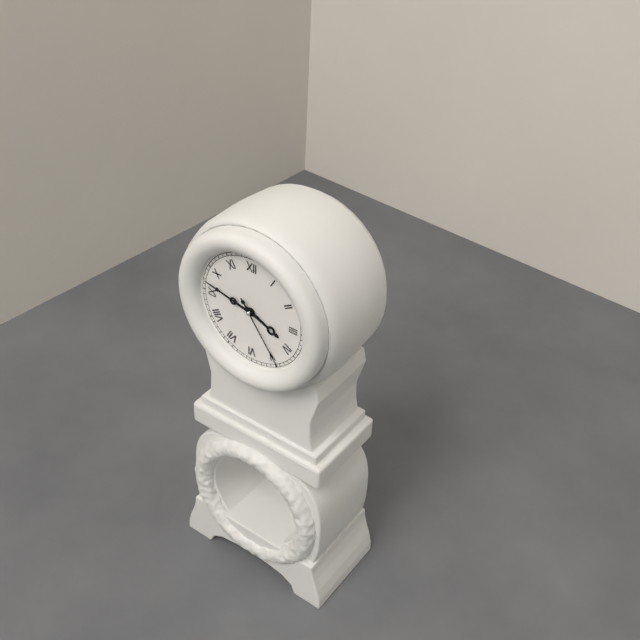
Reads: 3,47,24
